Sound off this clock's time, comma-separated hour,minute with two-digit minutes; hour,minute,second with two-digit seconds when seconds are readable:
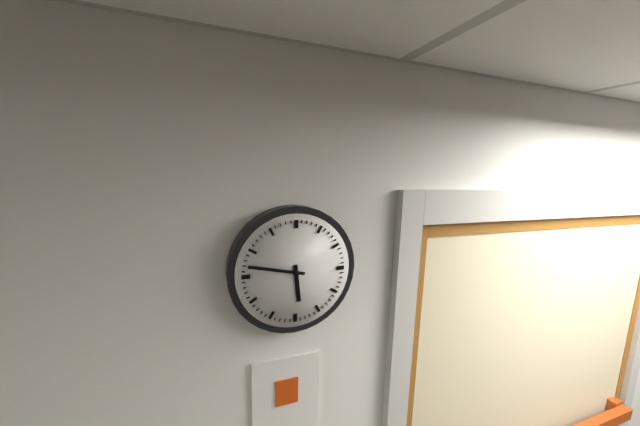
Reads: 5,47
